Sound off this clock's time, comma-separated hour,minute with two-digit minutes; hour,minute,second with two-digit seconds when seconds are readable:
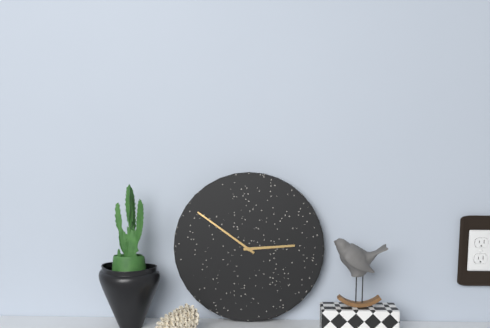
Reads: 2,51
